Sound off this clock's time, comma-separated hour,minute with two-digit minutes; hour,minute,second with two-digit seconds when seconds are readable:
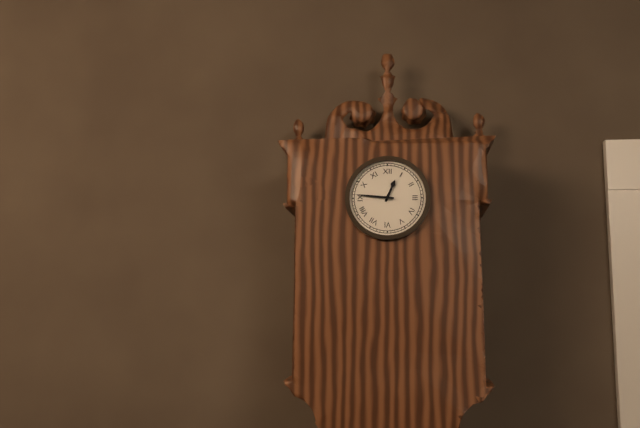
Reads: 12,46
